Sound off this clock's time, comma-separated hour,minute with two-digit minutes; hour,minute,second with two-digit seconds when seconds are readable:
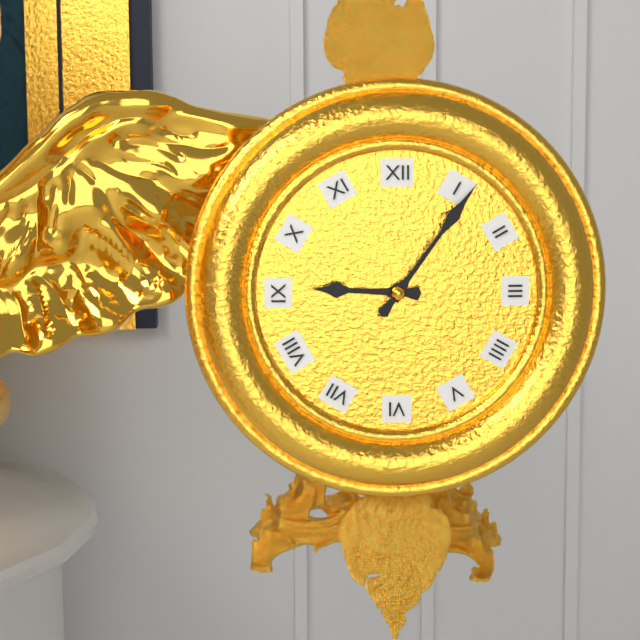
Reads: 9,06
